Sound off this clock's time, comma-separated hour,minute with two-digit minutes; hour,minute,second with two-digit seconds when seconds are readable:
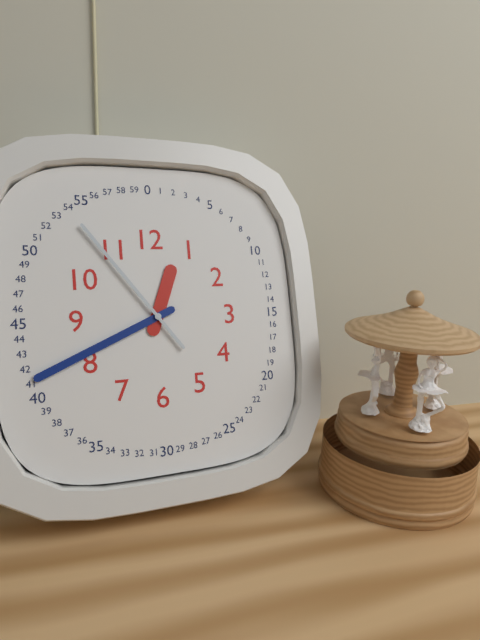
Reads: 12,41,54
